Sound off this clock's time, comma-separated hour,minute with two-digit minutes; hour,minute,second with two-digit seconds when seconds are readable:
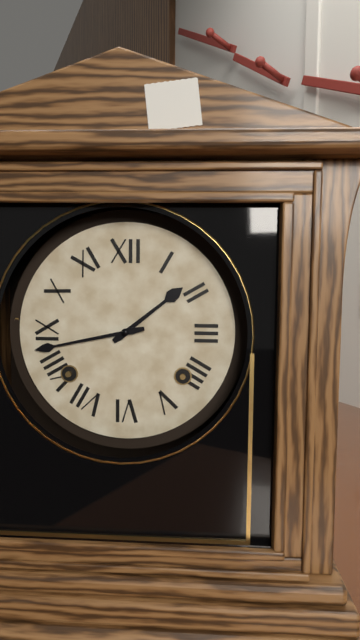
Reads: 1,43
